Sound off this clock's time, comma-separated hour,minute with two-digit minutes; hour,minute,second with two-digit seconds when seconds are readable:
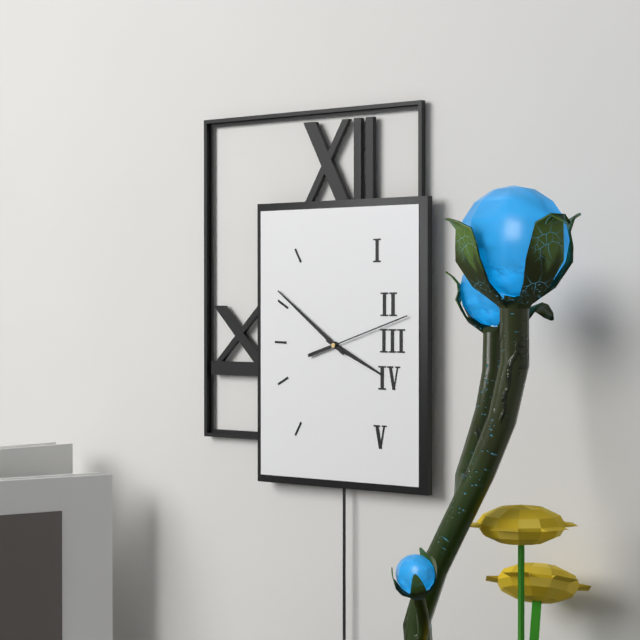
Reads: 3,51,12
